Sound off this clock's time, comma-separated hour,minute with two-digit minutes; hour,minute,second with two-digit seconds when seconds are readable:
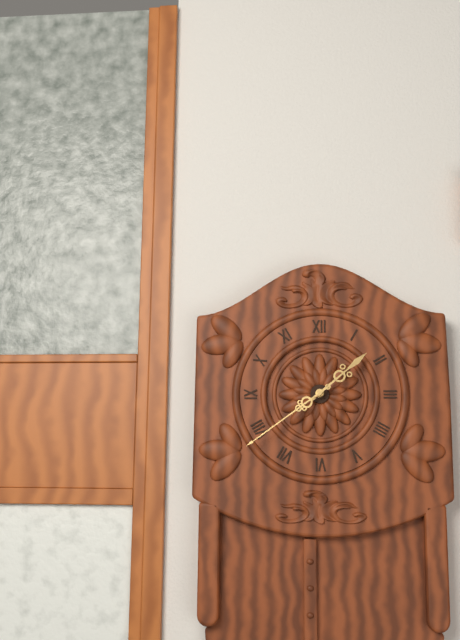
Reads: 1,39
